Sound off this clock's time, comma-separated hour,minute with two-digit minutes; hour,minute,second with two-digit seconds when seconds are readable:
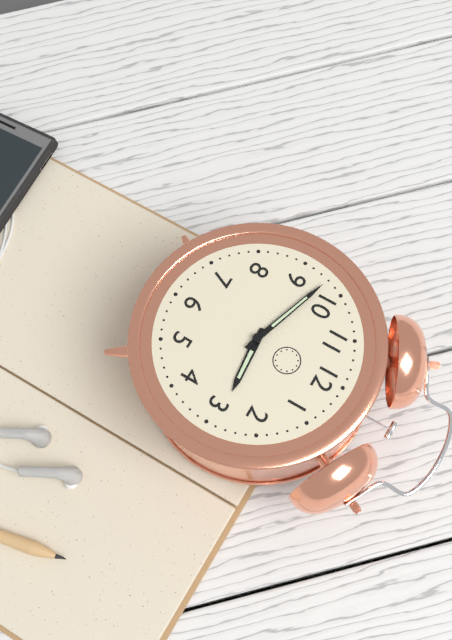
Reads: 2,48
